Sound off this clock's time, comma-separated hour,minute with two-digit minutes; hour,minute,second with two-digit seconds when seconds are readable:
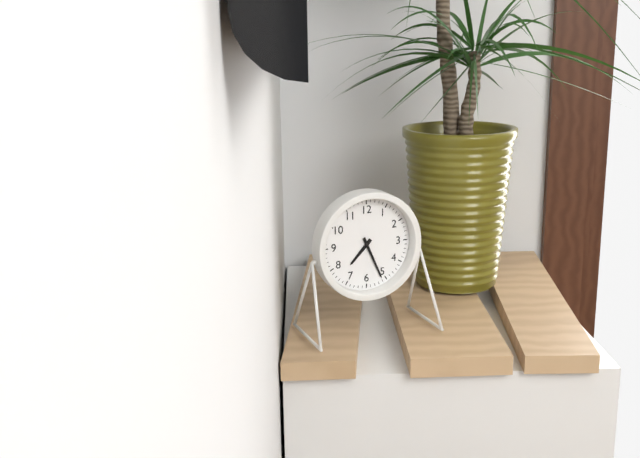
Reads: 7,26
